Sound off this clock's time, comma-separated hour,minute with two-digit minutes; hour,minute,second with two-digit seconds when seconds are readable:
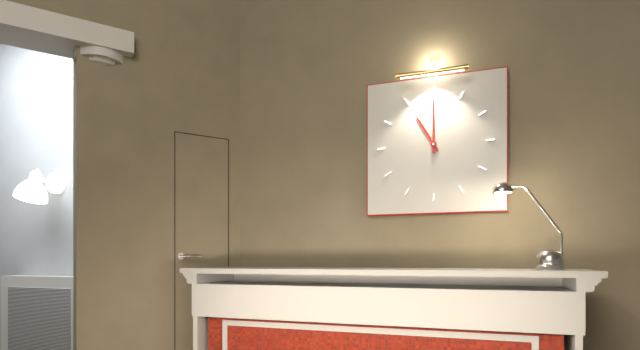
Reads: 11,00
